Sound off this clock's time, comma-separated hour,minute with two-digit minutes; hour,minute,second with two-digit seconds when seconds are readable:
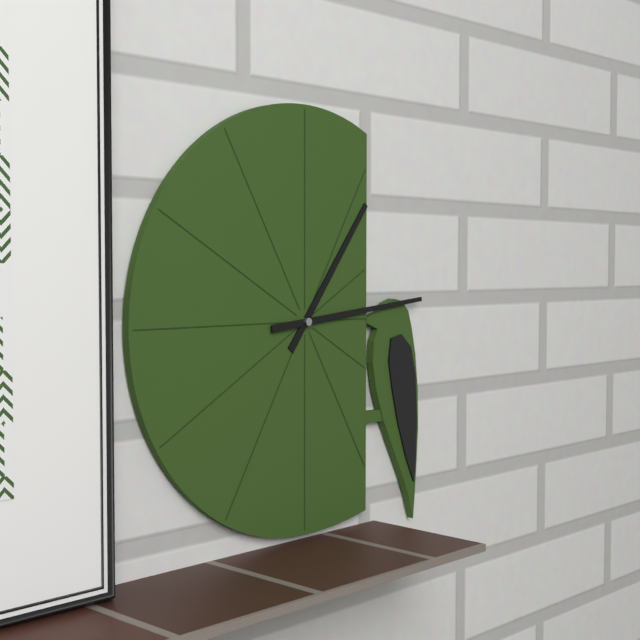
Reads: 1,14
